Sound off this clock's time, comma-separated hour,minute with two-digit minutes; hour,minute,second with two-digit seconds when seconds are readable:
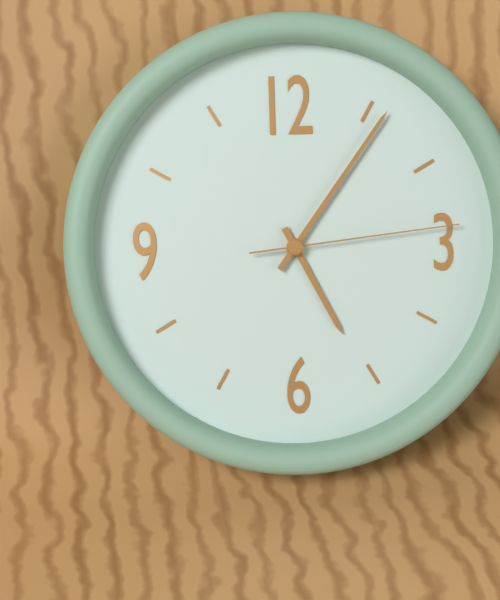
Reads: 5,06,14
